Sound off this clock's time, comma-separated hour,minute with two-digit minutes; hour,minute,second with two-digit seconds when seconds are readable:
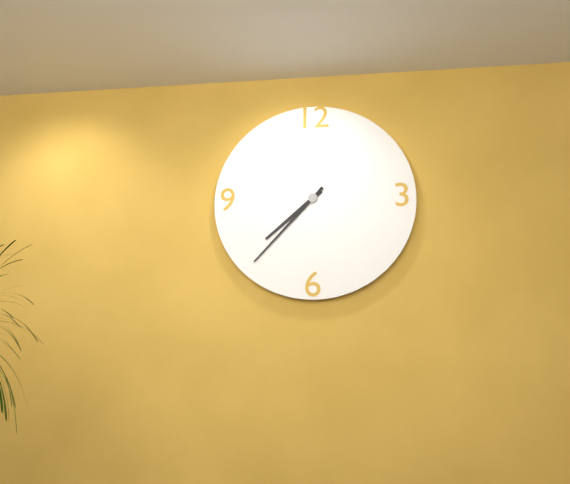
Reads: 7,37
